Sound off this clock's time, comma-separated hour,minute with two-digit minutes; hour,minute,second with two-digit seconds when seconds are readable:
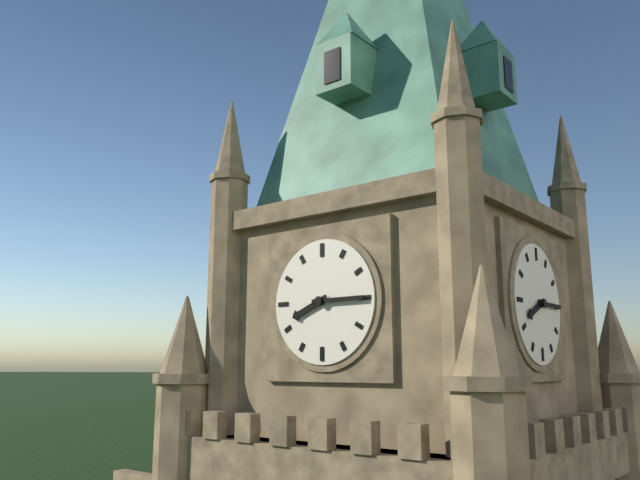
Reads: 8,15
